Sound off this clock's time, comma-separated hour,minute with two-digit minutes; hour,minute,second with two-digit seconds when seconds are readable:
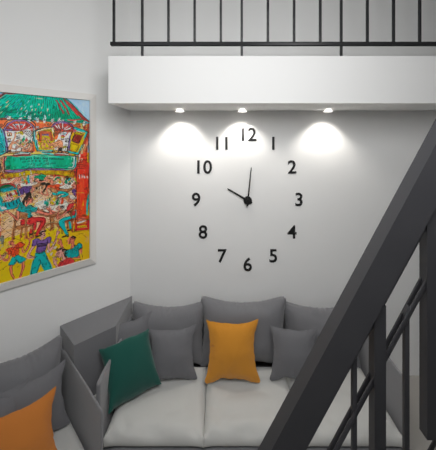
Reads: 10,01
